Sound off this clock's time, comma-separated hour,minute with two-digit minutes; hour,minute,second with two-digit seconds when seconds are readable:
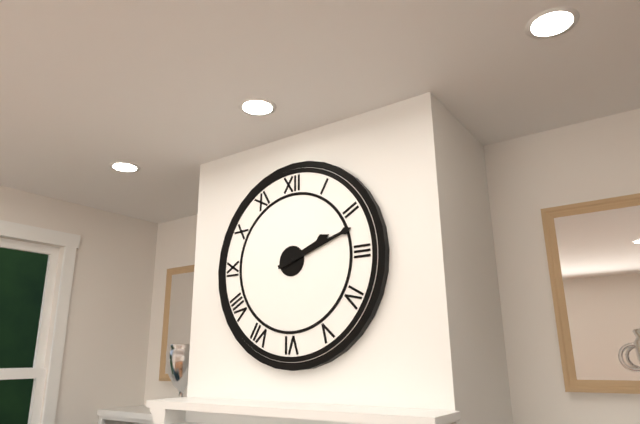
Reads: 2,12
